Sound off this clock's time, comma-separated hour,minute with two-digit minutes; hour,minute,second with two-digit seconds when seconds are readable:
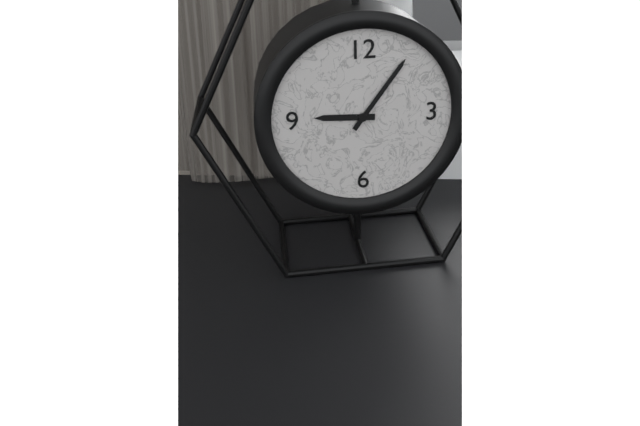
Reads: 9,06
